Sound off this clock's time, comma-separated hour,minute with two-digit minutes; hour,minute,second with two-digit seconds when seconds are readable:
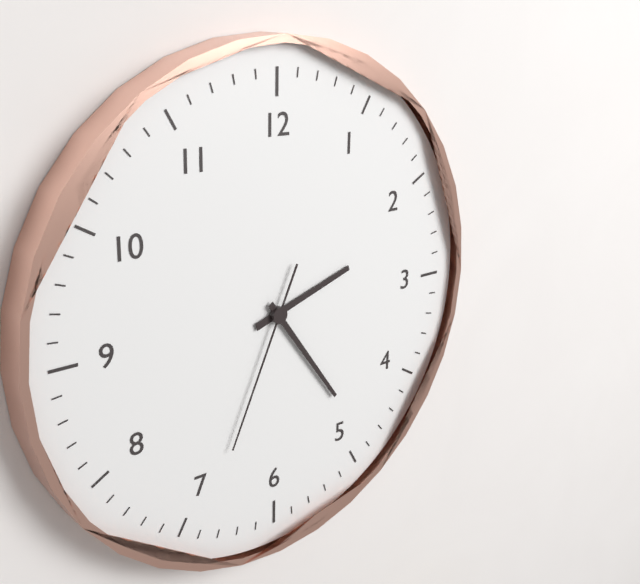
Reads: 2,24,34
